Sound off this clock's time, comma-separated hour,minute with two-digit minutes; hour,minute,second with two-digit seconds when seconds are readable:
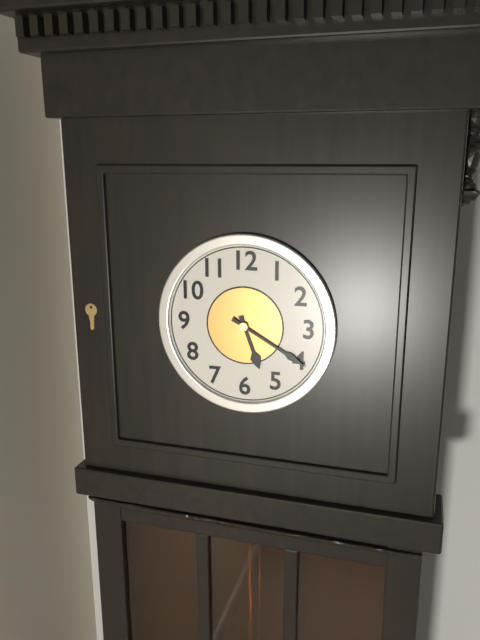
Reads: 5,20
